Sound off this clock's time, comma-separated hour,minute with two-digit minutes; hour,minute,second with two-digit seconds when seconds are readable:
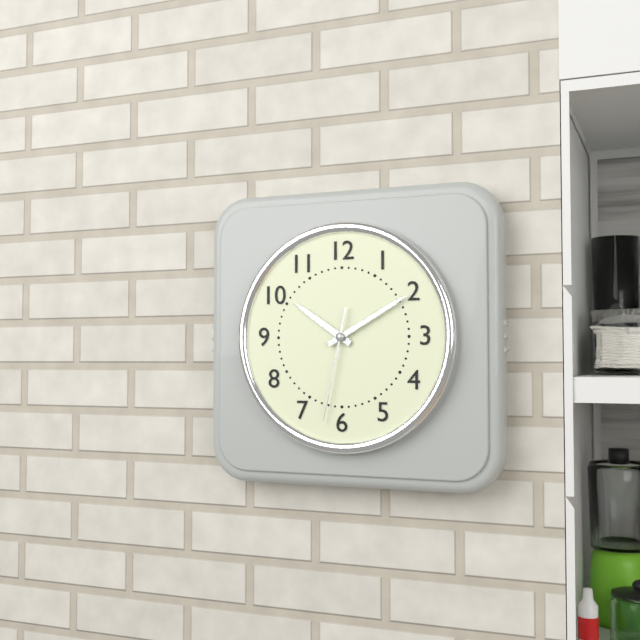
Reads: 10,10,32
